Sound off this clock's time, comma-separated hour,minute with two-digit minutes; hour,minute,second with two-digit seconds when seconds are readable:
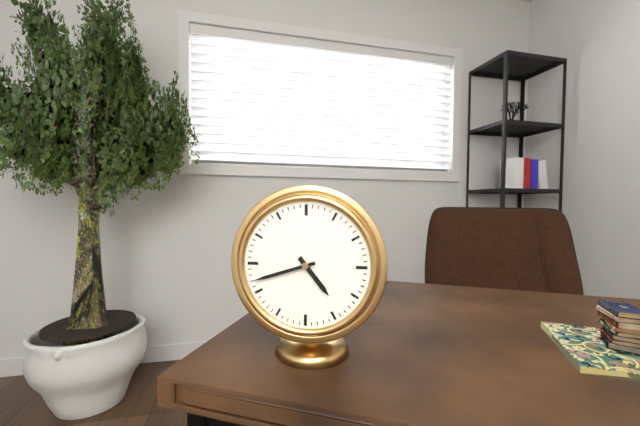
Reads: 4,42
